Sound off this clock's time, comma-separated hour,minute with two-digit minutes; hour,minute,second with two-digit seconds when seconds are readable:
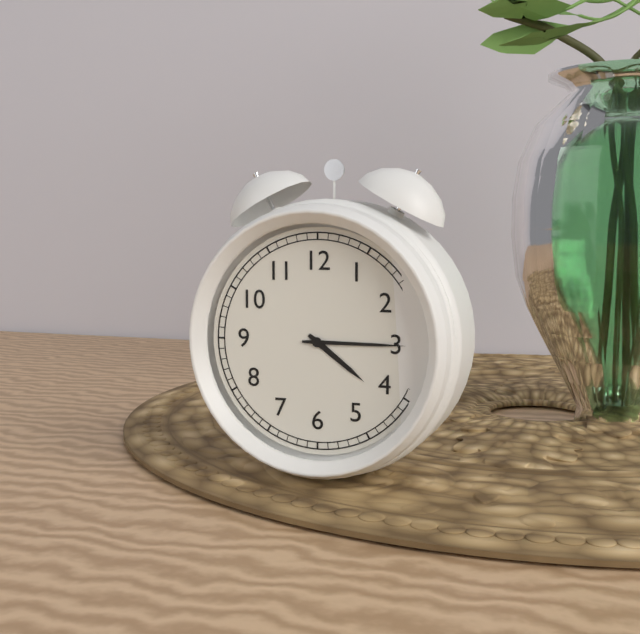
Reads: 4,15
